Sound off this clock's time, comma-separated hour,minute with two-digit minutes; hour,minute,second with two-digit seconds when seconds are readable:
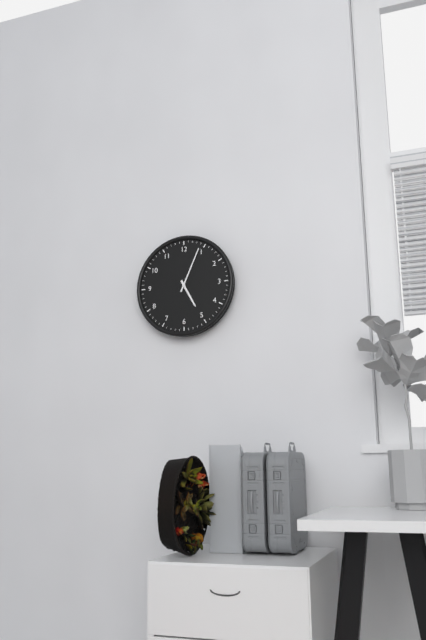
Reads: 5,04
